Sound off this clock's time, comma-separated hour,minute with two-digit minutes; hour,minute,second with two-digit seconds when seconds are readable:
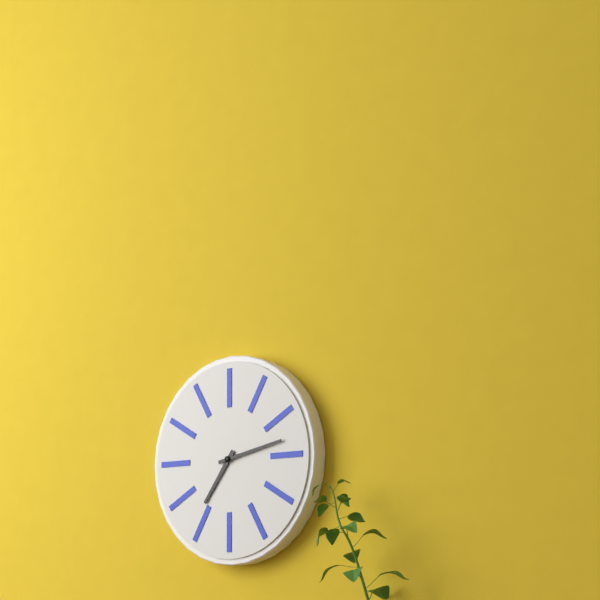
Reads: 7,13
